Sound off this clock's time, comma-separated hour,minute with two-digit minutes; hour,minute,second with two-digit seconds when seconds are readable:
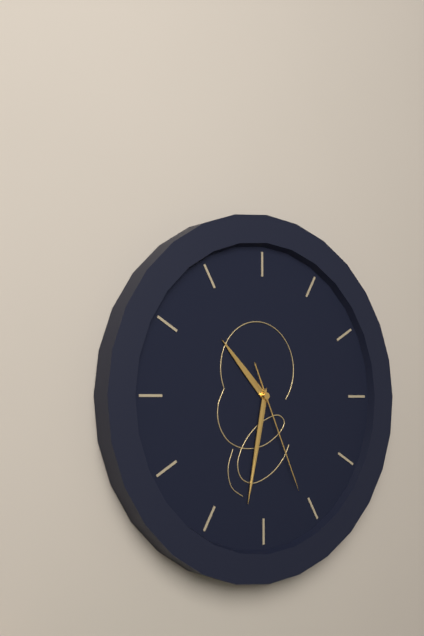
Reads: 10,32,26
